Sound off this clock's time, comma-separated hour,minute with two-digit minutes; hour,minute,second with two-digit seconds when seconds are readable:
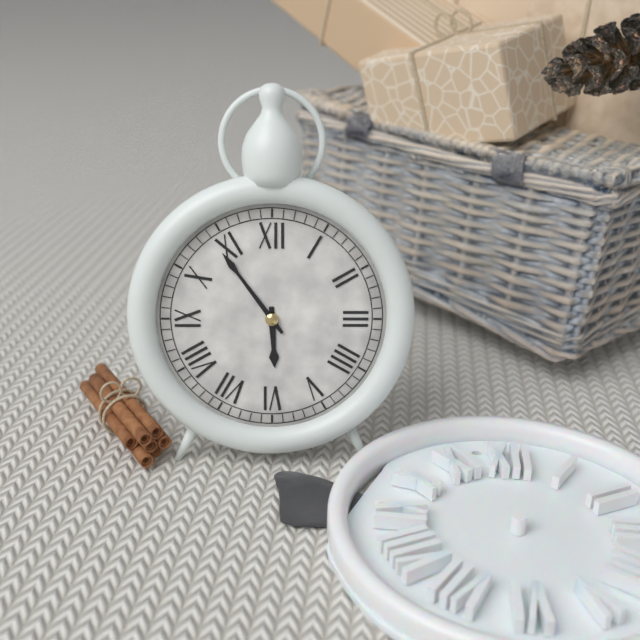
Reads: 5,54
